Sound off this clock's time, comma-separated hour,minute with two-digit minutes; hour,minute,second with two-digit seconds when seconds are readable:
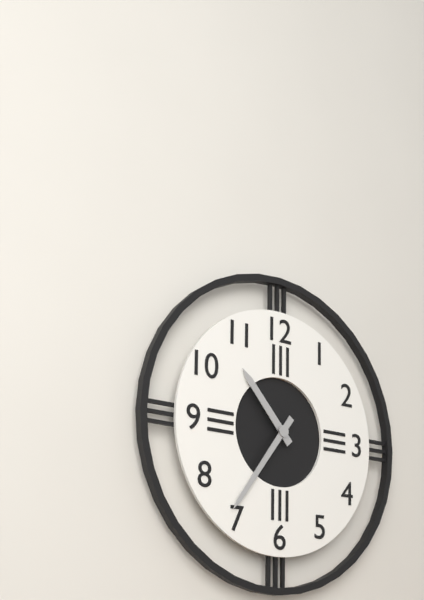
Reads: 10,36
